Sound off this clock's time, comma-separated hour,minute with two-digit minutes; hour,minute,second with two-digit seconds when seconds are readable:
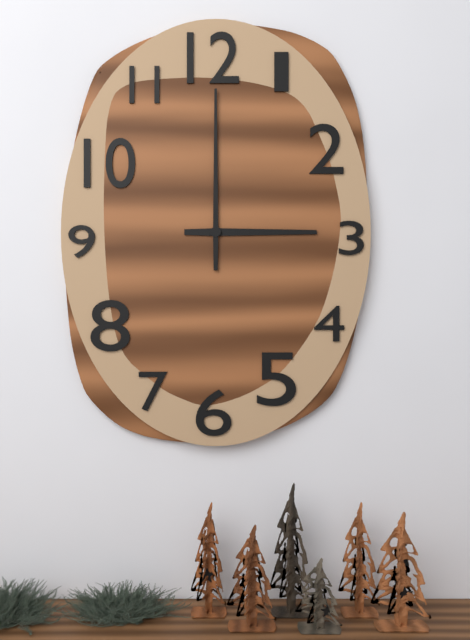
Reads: 3,00
